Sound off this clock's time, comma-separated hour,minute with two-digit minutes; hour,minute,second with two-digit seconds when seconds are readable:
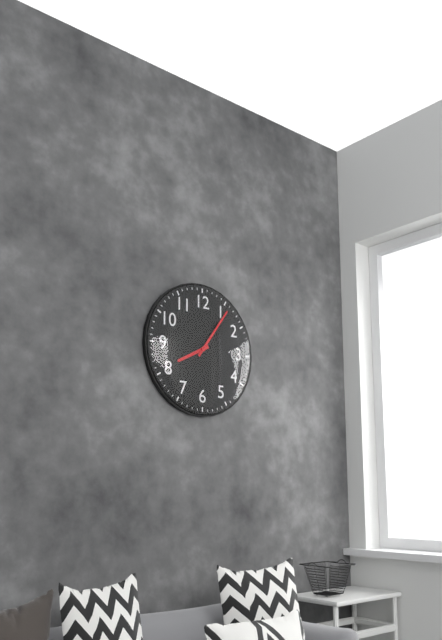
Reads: 8,06
